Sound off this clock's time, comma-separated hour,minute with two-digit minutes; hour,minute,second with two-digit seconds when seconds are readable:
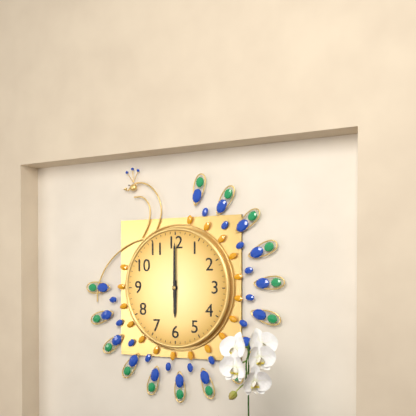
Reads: 6,00
